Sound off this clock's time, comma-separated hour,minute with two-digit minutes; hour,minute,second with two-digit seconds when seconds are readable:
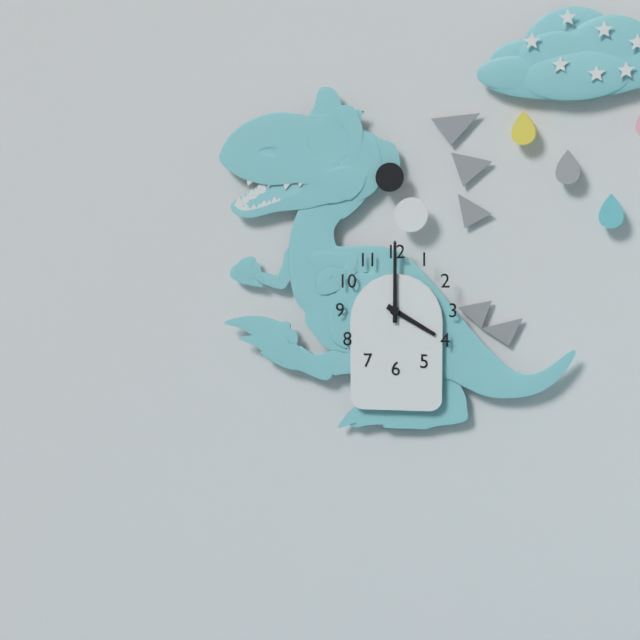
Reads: 4,00
